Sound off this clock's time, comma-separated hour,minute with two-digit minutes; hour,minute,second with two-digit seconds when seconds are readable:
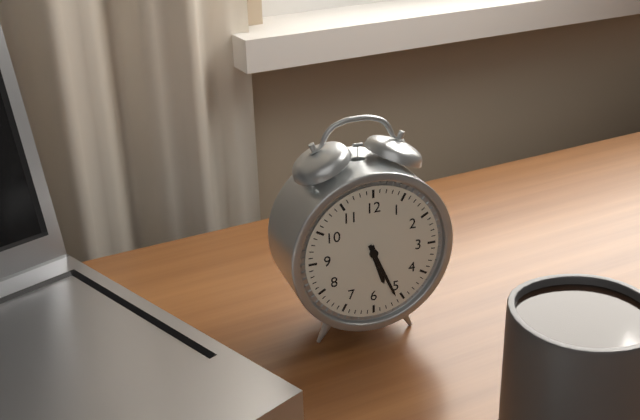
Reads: 5,26
